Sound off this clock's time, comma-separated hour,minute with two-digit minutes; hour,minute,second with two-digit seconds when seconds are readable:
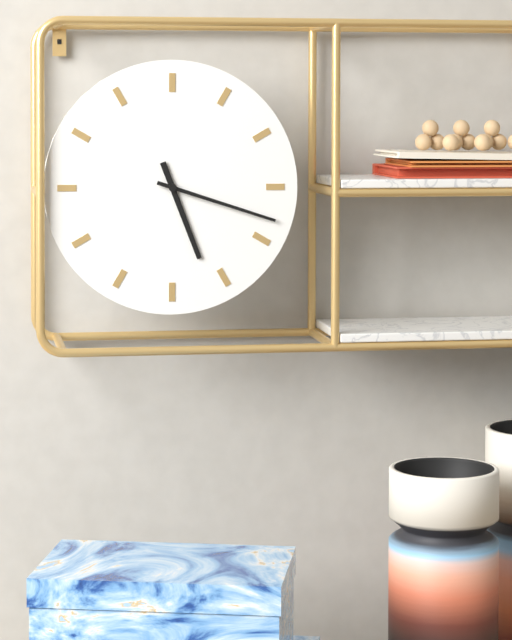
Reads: 5,18
